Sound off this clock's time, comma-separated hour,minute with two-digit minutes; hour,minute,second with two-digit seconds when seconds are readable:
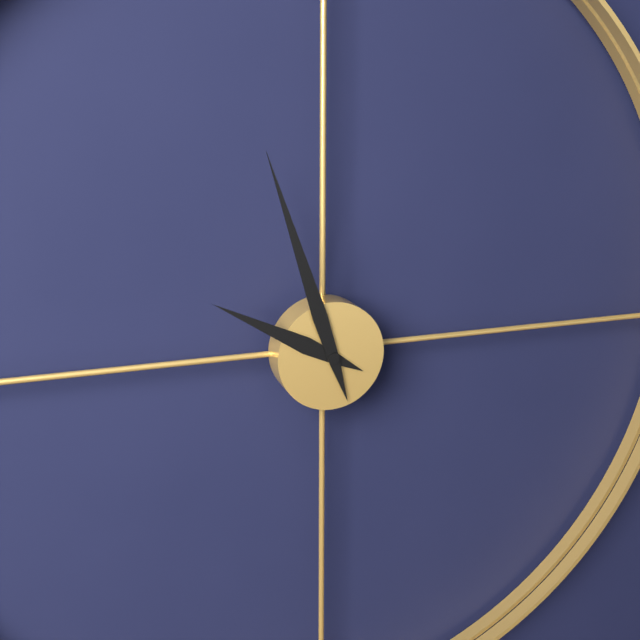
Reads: 9,57
